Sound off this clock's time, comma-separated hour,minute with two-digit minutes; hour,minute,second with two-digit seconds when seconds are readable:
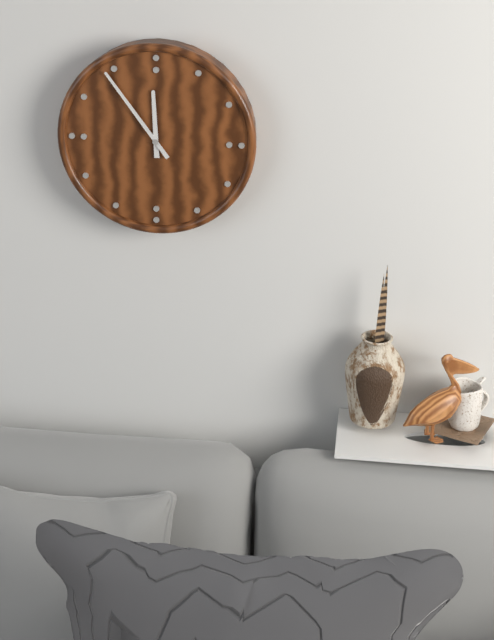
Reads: 11,54
